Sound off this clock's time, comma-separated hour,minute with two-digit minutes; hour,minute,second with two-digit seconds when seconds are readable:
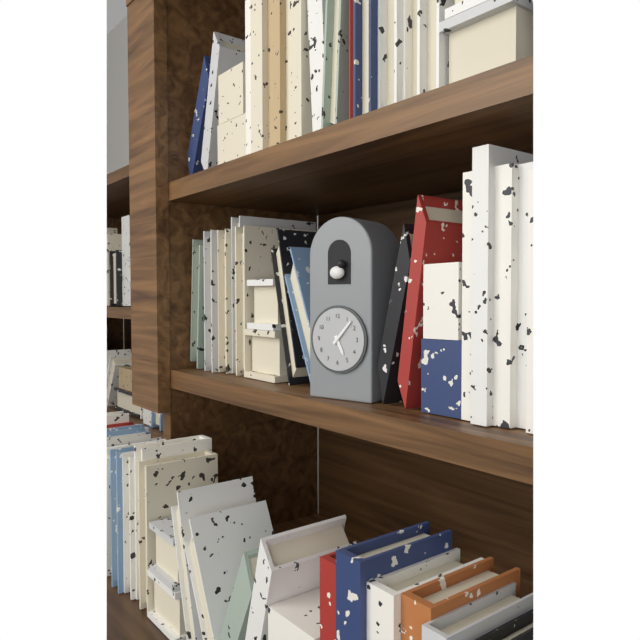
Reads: 5,07
